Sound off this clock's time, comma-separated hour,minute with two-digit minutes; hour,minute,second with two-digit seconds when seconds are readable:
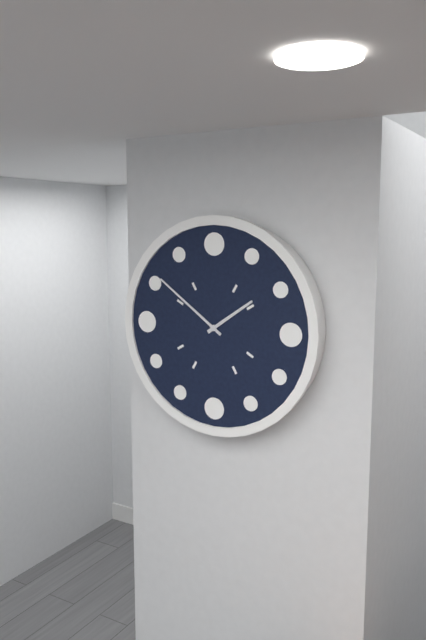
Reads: 1,51
